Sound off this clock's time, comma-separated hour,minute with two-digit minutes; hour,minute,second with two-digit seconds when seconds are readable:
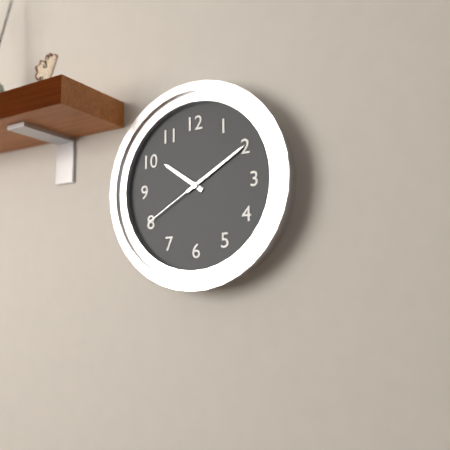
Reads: 10,10,40
